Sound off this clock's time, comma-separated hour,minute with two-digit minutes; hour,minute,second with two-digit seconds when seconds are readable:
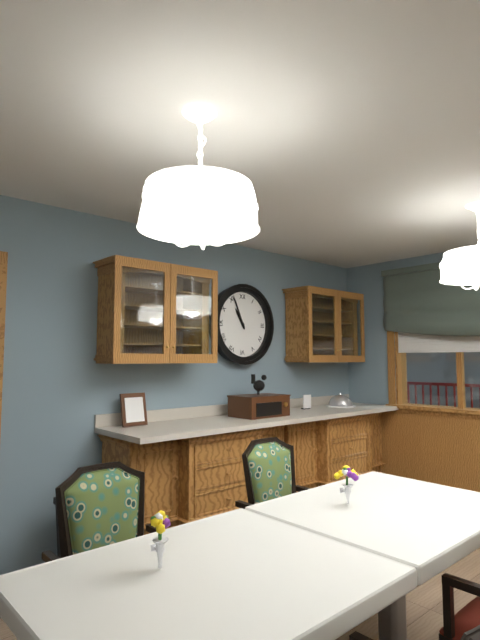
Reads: 10,56
